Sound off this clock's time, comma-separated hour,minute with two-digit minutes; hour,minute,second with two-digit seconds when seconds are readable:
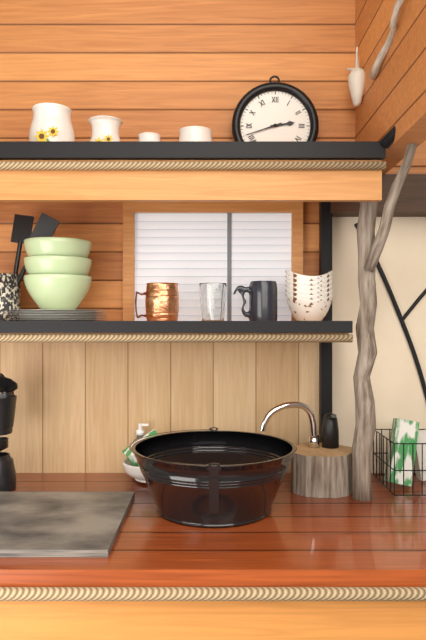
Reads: 2,42
